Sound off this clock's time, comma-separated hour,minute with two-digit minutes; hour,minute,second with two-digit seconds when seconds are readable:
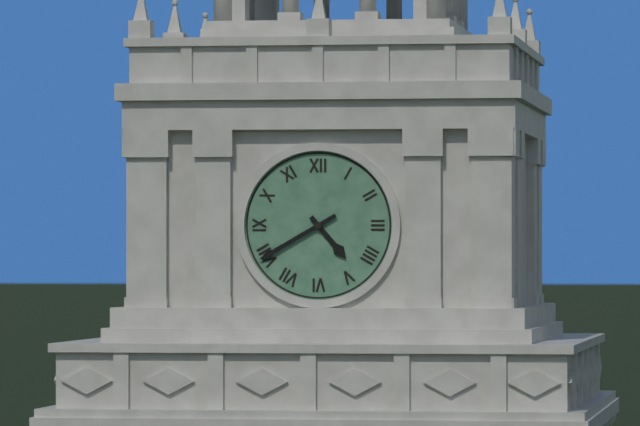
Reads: 4,40
